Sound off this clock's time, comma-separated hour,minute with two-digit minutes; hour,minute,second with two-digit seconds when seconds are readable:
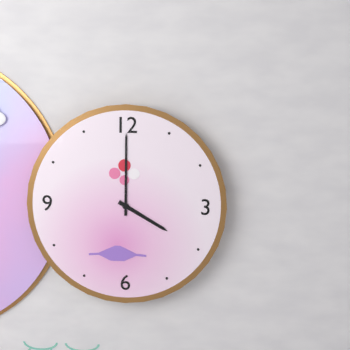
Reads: 4,00
